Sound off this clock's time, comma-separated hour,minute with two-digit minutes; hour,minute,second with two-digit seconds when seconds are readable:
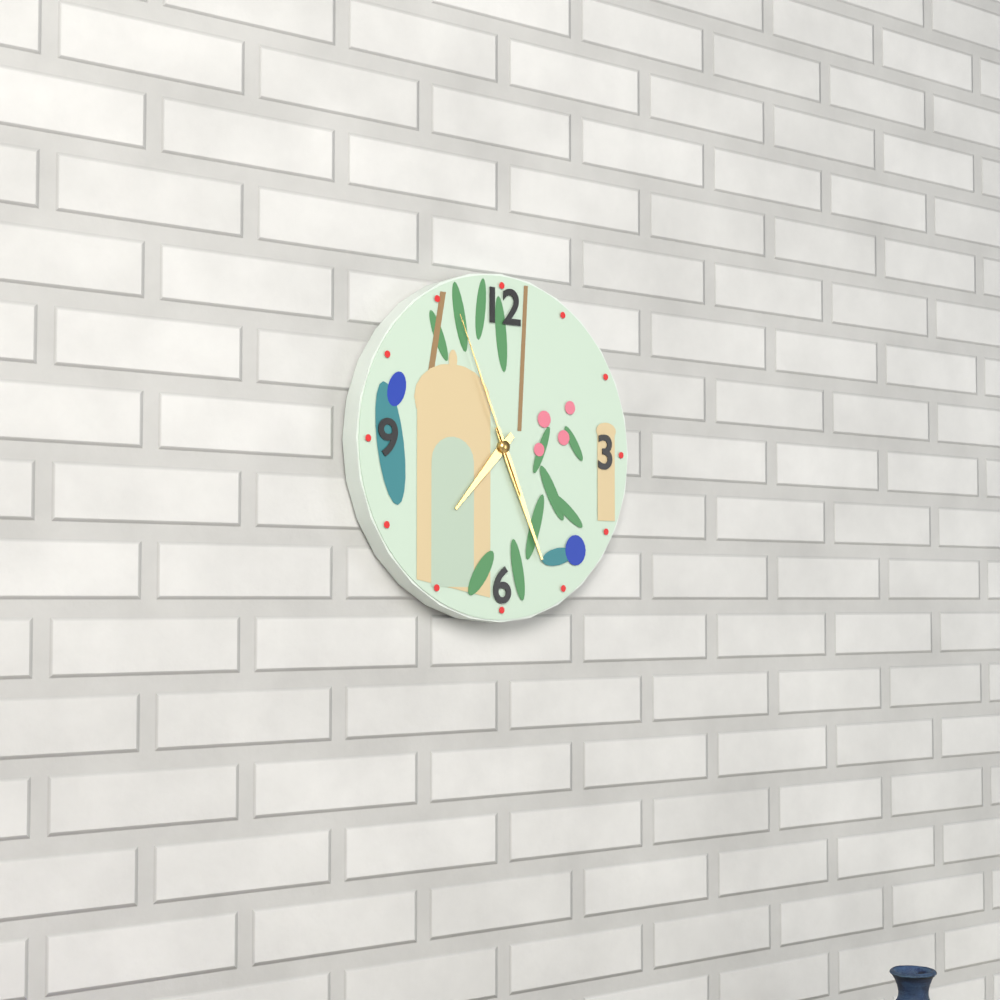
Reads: 7,26,56
